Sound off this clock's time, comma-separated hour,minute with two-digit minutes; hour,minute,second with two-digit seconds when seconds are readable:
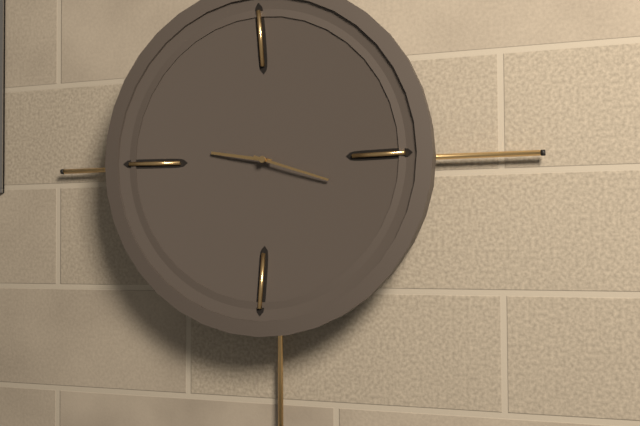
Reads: 9,18
